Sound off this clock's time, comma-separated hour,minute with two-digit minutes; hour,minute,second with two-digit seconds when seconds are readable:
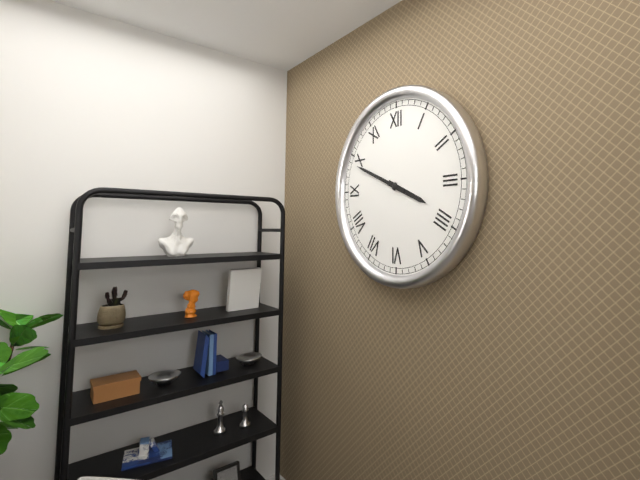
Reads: 3,49
